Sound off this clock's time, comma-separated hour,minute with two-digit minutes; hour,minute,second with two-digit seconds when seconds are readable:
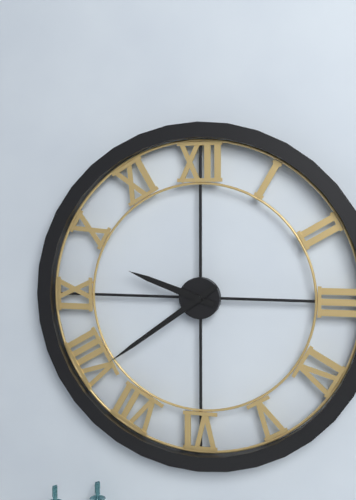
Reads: 9,39
